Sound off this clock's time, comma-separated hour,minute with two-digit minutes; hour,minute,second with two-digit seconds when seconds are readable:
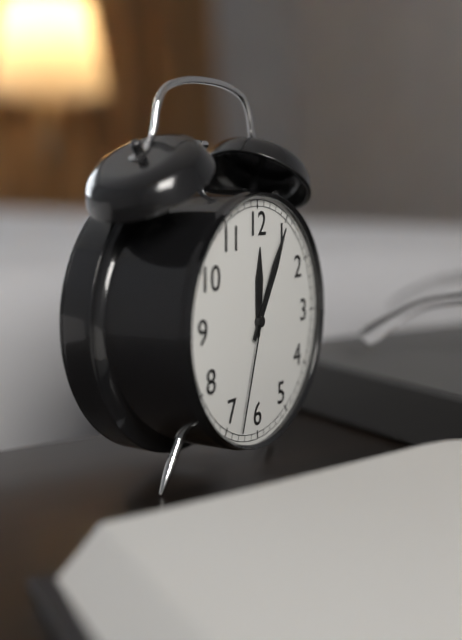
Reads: 12,05,33
